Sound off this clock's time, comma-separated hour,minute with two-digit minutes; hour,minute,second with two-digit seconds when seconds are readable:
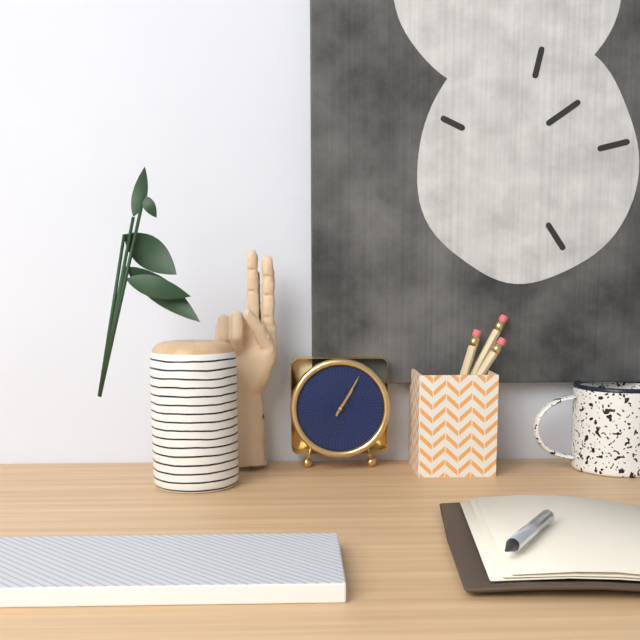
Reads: 1,05
